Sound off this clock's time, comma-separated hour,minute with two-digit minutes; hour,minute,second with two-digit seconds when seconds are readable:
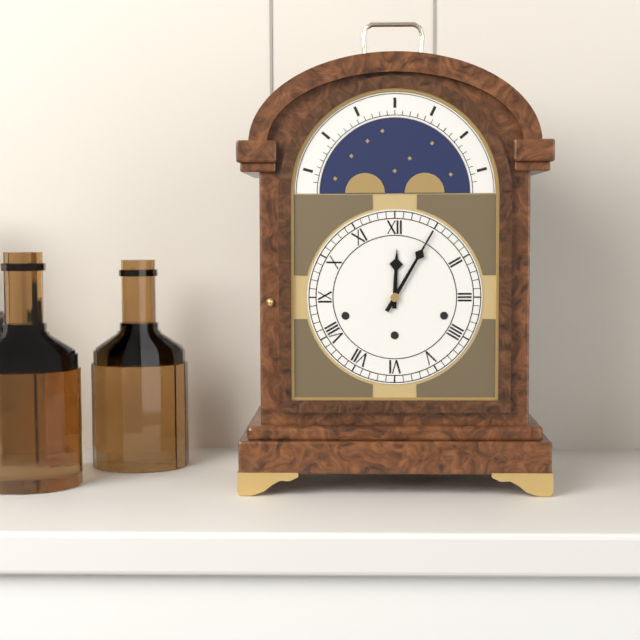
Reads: 12,05
